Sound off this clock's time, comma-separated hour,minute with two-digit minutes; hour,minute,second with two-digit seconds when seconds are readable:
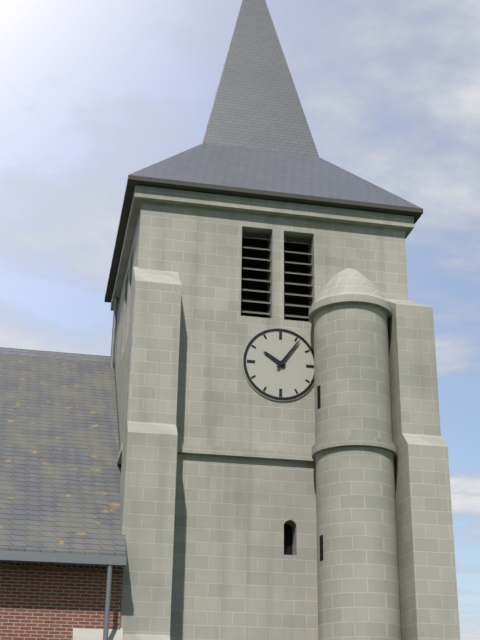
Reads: 10,06
